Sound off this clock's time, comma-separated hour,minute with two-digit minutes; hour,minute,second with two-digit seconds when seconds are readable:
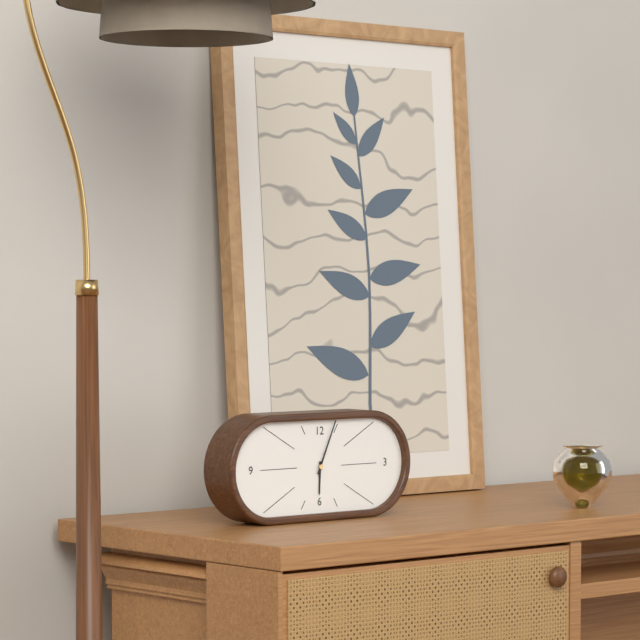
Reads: 6,04
